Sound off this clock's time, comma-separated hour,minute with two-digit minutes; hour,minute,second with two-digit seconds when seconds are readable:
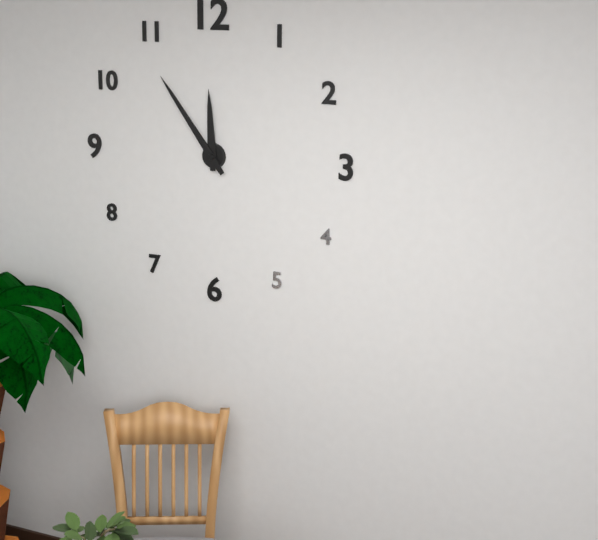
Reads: 11,54
